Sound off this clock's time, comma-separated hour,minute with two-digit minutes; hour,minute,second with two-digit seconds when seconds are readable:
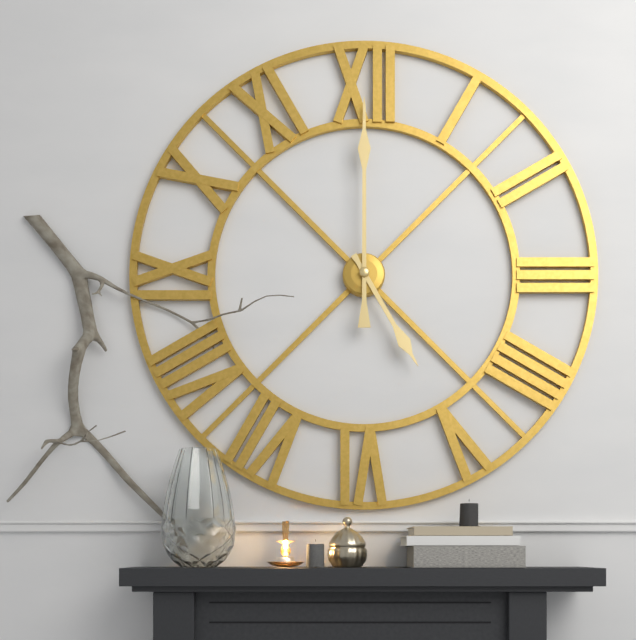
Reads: 5,00
